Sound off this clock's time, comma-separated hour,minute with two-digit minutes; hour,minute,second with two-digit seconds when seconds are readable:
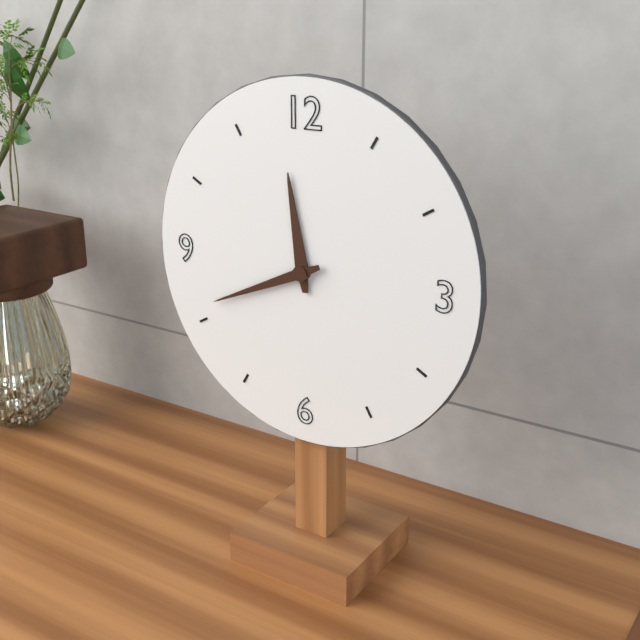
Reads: 11,41
